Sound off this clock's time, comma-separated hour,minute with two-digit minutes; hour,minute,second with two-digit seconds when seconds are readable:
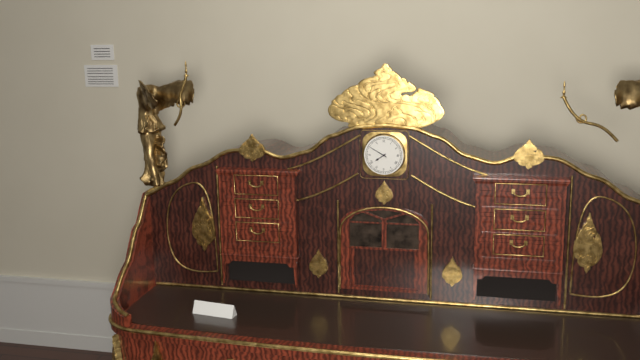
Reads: 7,50
